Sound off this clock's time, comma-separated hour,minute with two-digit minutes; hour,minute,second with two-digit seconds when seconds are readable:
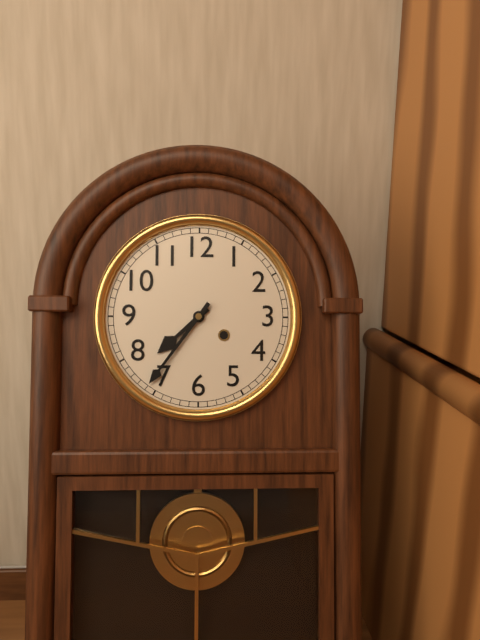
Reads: 7,36
